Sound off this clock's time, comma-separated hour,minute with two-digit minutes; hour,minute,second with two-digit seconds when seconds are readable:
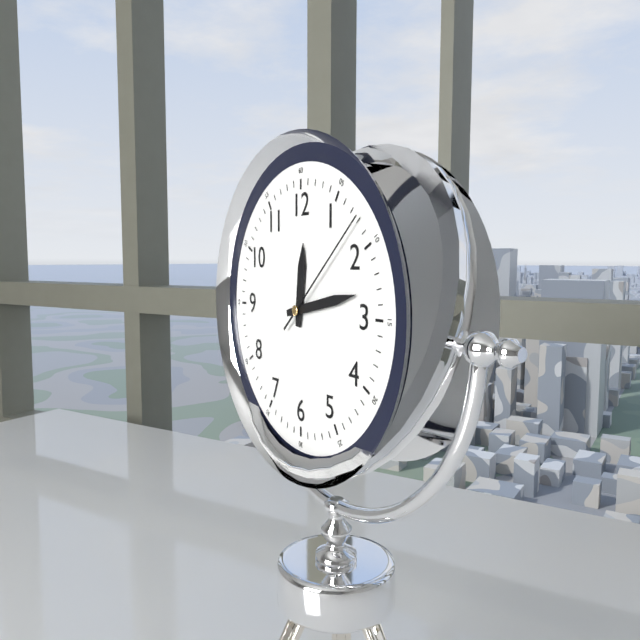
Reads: 12,13,08
